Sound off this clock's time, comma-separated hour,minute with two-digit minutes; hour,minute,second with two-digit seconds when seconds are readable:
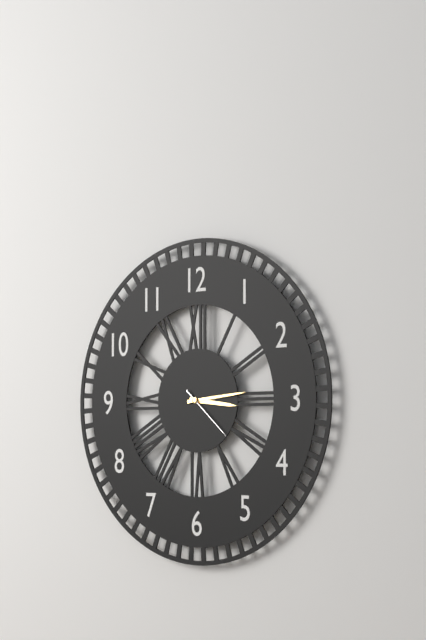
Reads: 3,14,22
